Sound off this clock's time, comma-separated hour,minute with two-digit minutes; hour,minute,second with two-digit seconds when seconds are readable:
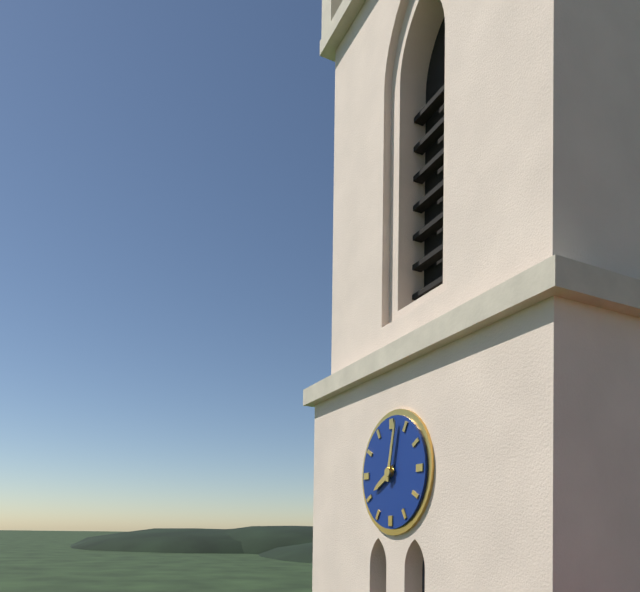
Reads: 8,02
